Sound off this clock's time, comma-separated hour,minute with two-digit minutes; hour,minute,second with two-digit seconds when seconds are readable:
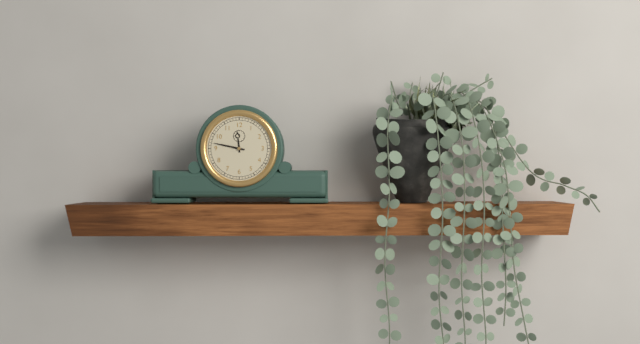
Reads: 11,47
